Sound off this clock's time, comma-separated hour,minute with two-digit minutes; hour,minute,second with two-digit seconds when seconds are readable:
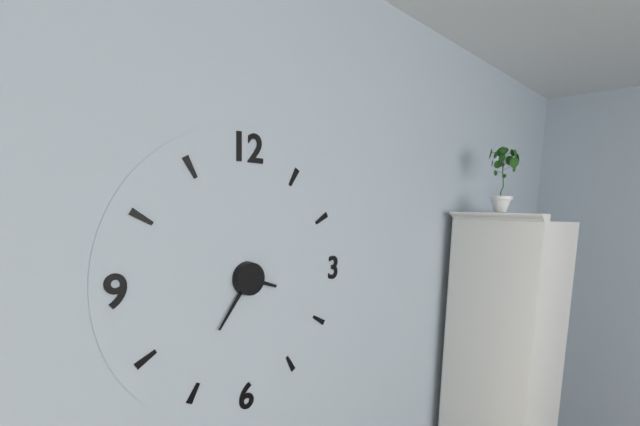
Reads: 3,36
